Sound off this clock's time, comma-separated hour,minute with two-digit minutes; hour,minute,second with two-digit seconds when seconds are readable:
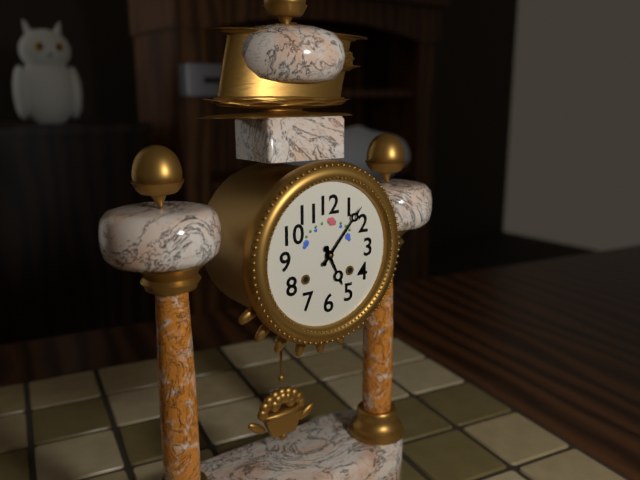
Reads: 5,07
